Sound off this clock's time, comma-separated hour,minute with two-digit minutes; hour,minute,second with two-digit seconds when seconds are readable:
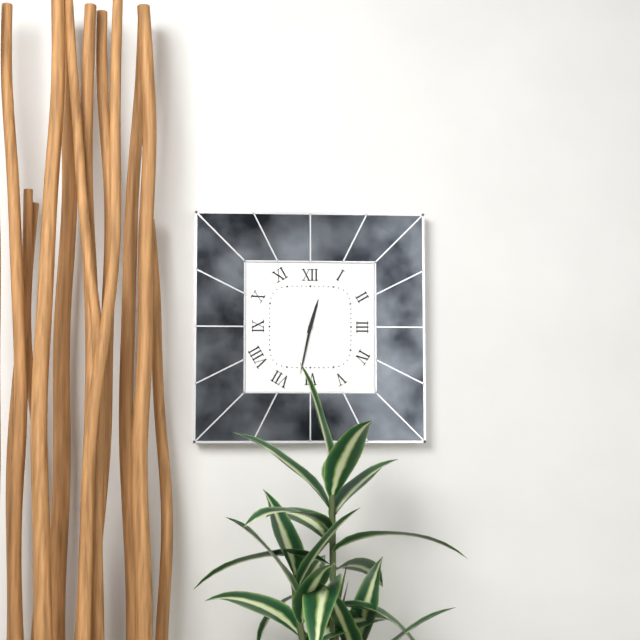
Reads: 12,32
